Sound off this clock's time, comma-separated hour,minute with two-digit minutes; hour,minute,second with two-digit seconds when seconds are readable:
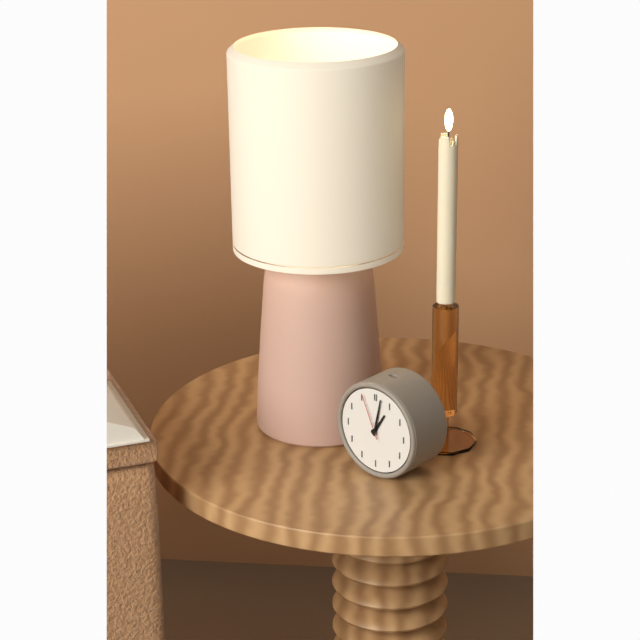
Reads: 1,02
